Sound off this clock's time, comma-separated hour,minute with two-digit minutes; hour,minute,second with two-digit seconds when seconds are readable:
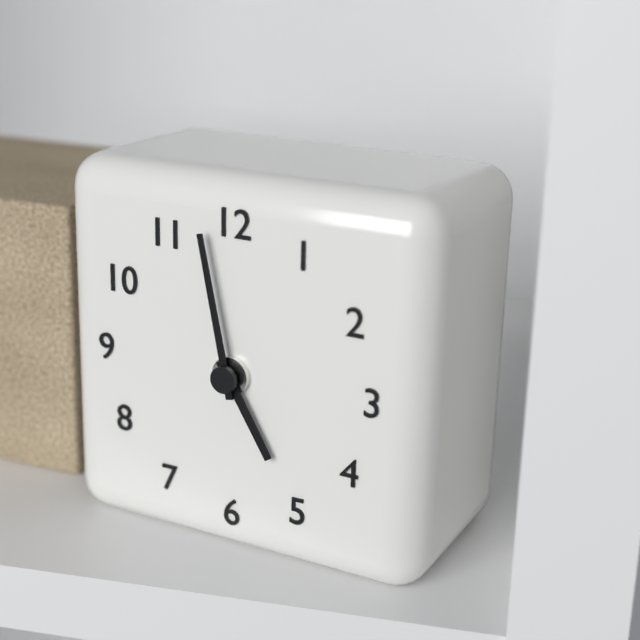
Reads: 4,58
